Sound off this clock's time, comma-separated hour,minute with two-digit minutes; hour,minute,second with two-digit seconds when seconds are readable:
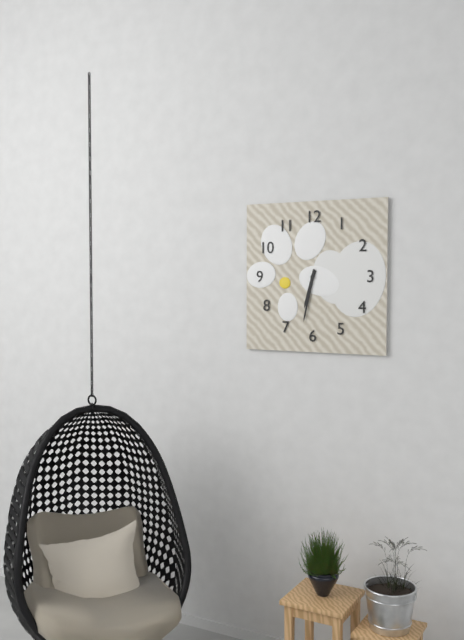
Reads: 6,32
